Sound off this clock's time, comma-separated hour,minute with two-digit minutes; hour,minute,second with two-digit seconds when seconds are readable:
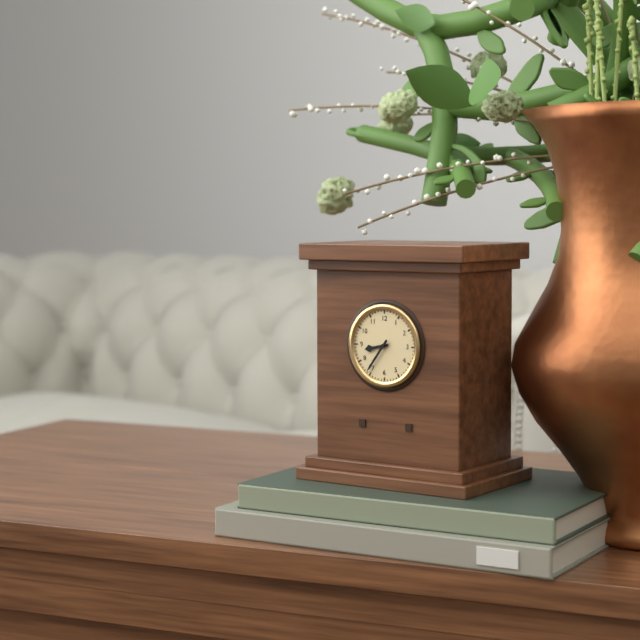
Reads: 8,36
